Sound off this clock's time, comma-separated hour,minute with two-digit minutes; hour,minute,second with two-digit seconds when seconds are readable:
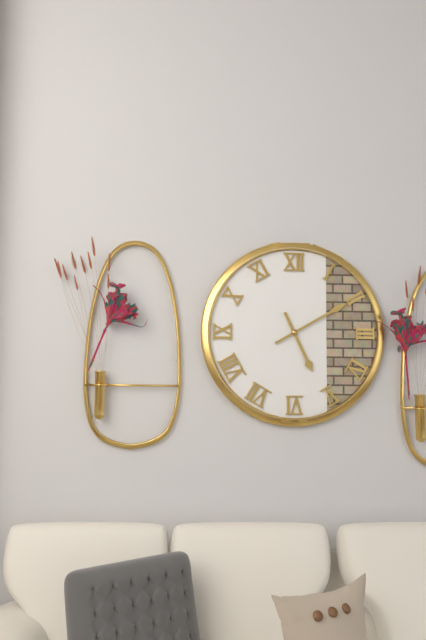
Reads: 5,10
